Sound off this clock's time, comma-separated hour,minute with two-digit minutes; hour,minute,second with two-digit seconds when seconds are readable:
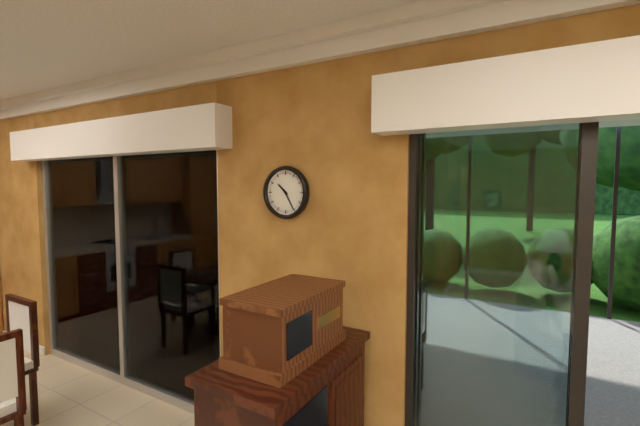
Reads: 10,25
